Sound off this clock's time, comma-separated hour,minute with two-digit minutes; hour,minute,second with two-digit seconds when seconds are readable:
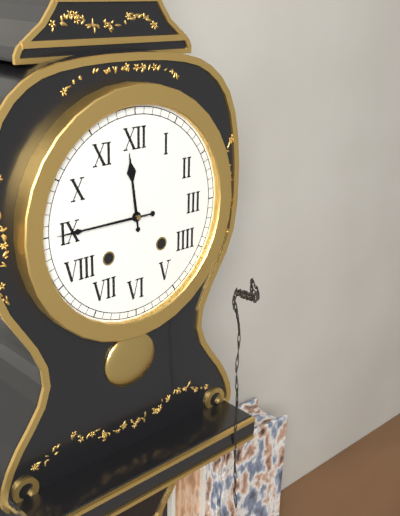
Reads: 11,45
